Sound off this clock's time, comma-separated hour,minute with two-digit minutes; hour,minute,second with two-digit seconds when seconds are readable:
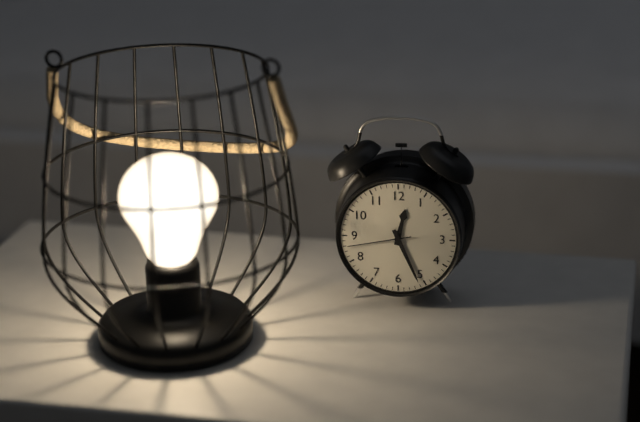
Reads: 12,26,43
